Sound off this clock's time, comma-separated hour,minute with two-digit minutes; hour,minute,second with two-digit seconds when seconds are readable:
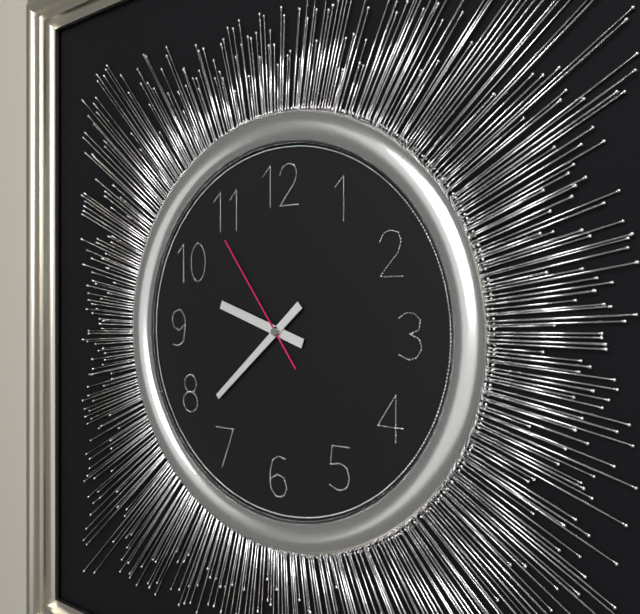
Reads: 9,38,54
